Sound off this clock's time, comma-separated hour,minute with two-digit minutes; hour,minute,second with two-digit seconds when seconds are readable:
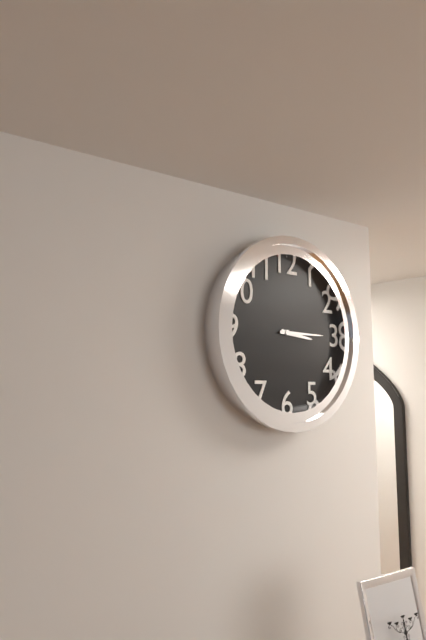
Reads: 3,15
